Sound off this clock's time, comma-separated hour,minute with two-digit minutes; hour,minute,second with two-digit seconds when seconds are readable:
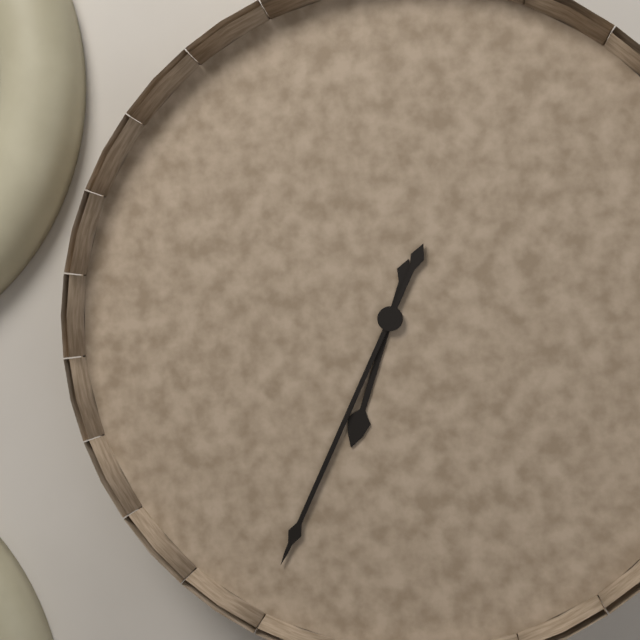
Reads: 6,34
